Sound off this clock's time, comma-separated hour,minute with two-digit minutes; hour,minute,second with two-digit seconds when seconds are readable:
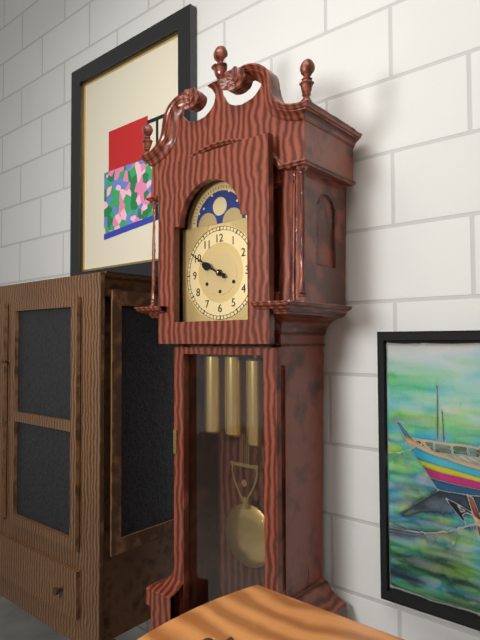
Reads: 9,50
